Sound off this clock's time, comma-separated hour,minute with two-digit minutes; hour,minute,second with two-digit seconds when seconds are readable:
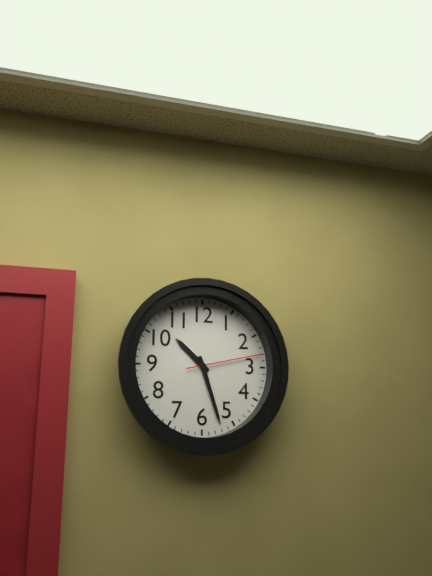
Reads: 10,27,13
